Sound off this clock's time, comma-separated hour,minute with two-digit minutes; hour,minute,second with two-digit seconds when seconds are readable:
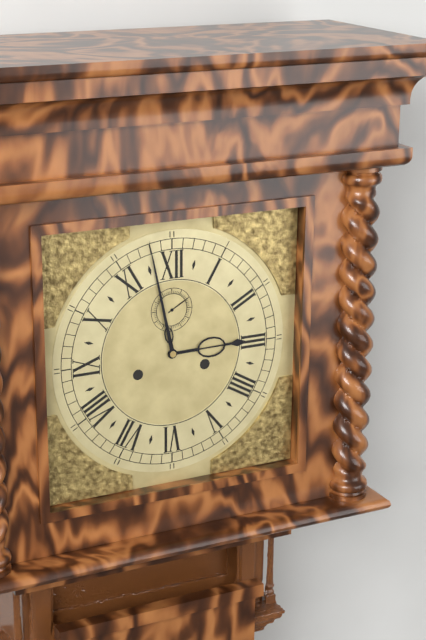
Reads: 2,58
